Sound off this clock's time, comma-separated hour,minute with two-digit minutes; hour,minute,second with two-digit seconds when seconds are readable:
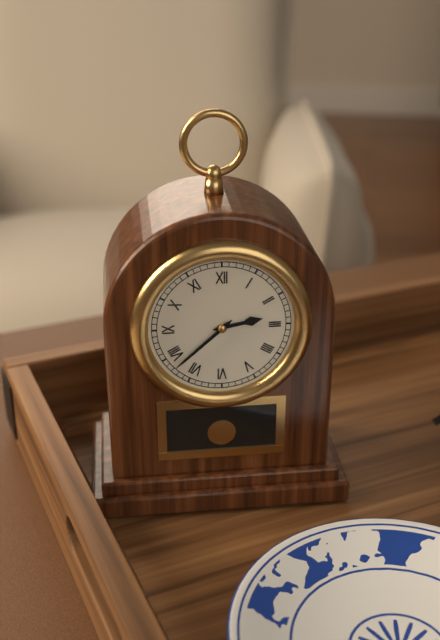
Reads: 2,38
